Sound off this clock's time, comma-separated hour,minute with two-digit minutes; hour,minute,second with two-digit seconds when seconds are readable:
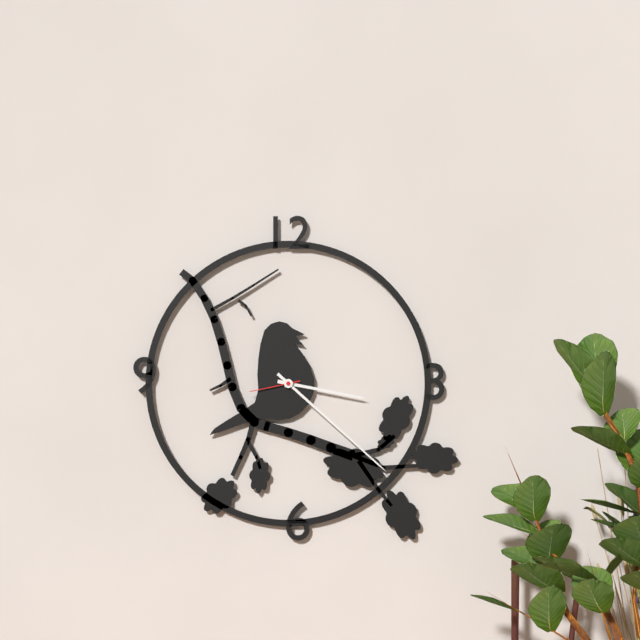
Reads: 3,22,43
